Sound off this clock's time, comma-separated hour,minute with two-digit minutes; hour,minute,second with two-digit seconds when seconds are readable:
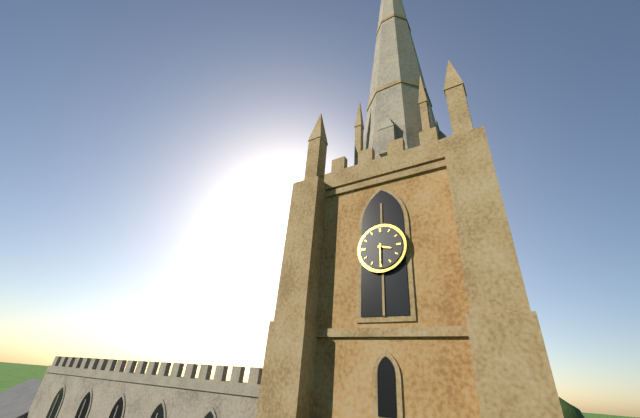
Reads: 3,30
